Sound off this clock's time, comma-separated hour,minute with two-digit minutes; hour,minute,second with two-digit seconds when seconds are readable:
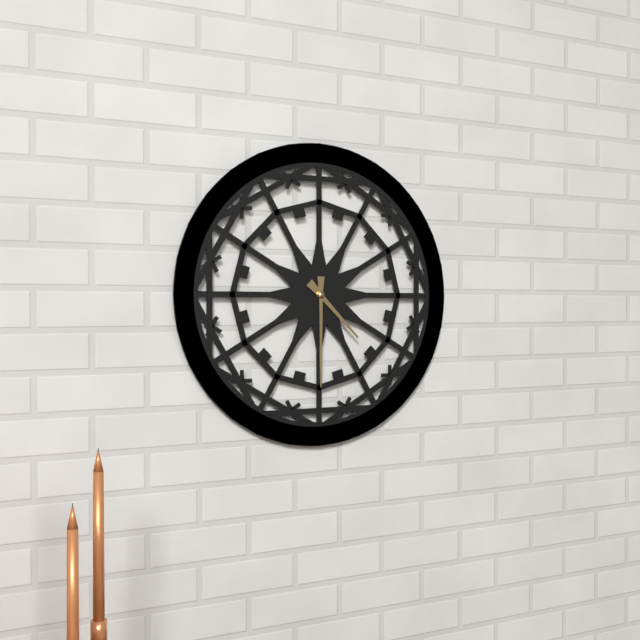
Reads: 4,30
